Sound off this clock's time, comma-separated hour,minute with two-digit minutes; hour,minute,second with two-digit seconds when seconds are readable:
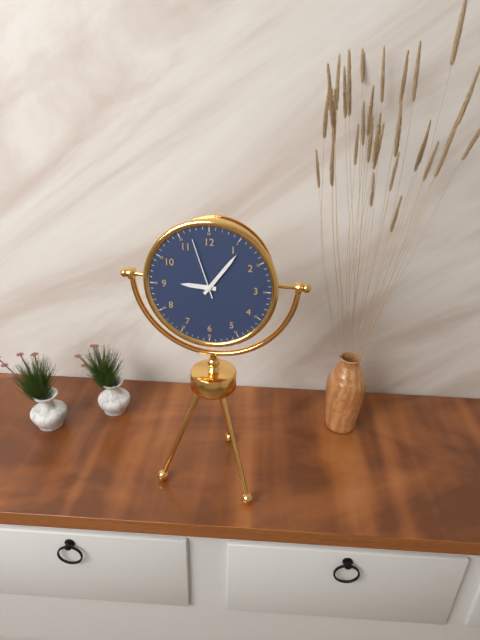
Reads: 9,06,57
